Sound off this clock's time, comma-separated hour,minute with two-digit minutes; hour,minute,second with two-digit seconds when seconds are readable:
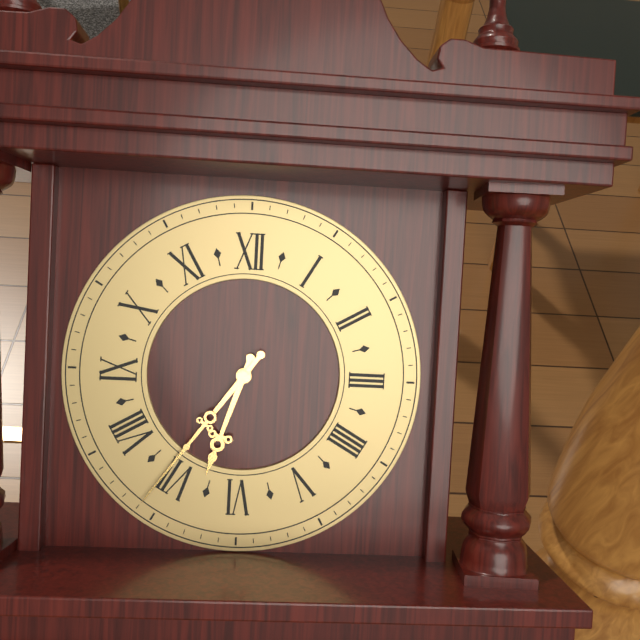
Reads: 6,36
